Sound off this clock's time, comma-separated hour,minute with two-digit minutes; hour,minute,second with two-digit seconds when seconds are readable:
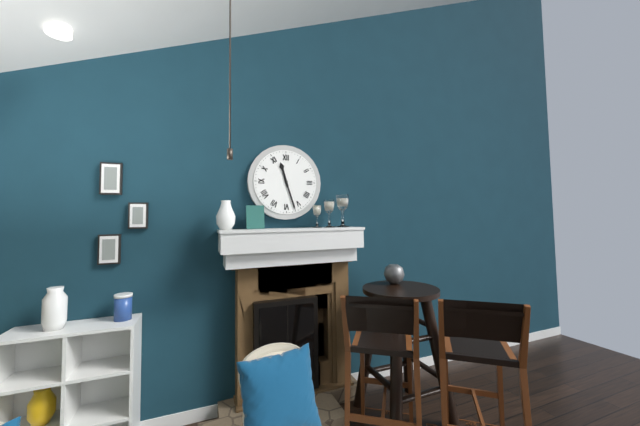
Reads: 11,27
